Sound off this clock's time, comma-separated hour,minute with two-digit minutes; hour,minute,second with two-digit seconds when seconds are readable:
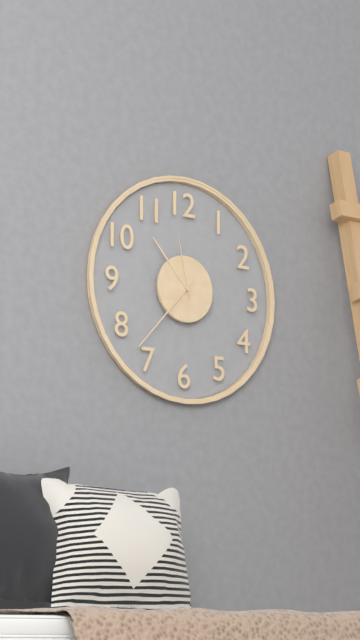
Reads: 10,37,58
